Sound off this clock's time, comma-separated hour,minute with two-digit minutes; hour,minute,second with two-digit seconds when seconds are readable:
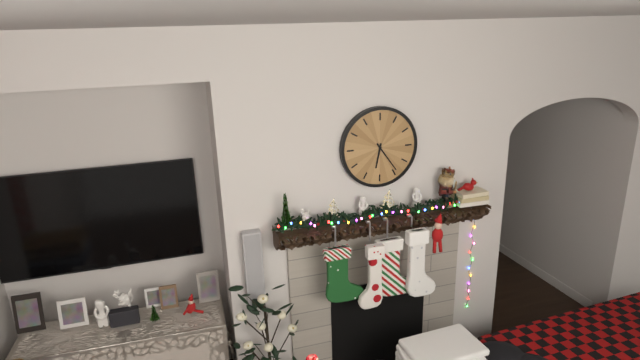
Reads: 6,24
